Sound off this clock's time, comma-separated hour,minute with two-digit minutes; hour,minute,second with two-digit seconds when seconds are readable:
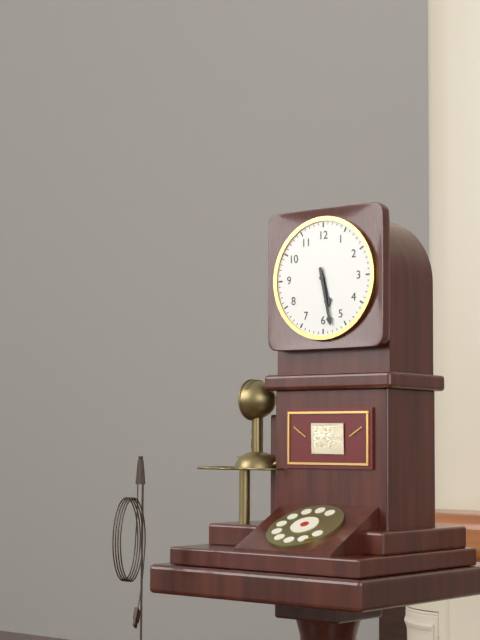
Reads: 5,28
